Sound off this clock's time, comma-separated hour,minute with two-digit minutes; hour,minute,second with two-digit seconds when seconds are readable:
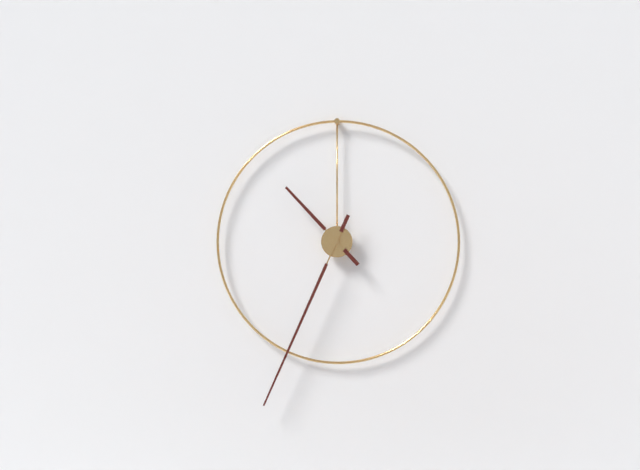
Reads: 10,34
